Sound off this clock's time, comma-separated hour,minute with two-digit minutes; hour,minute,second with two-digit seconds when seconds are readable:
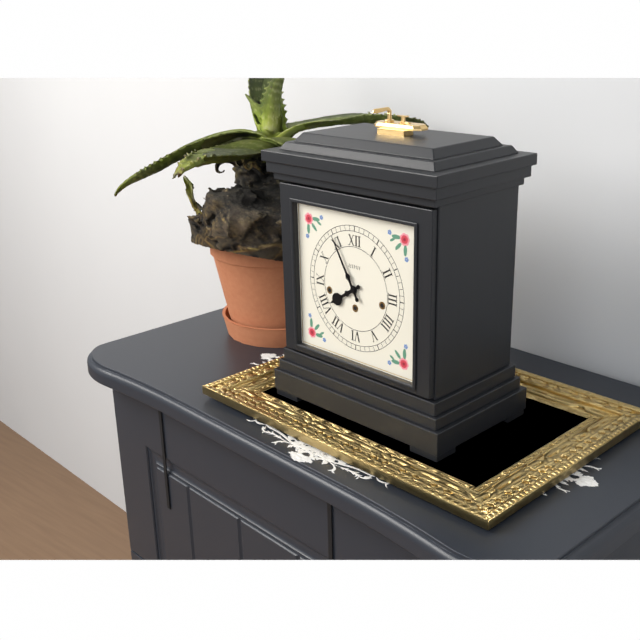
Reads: 7,55
